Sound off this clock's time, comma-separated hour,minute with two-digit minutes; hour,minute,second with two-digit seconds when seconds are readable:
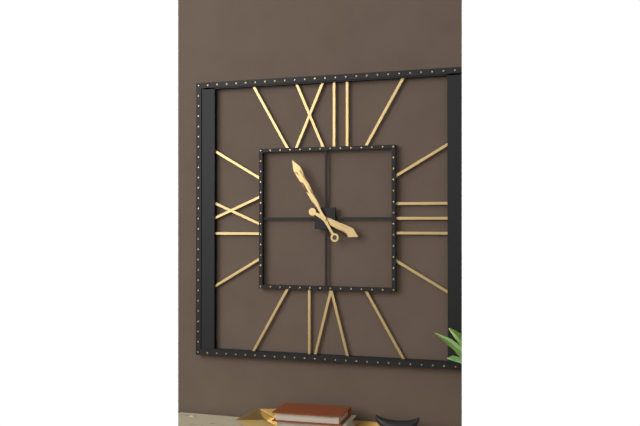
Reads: 3,55
